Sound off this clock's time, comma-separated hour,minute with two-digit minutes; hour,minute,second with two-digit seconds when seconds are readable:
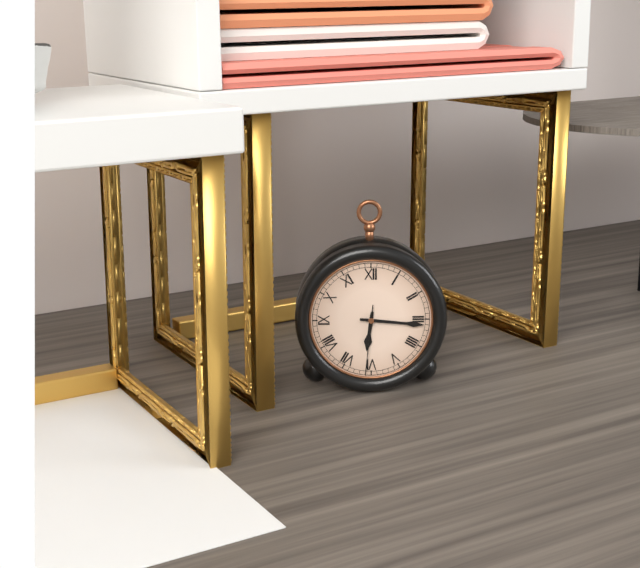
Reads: 6,16,31
